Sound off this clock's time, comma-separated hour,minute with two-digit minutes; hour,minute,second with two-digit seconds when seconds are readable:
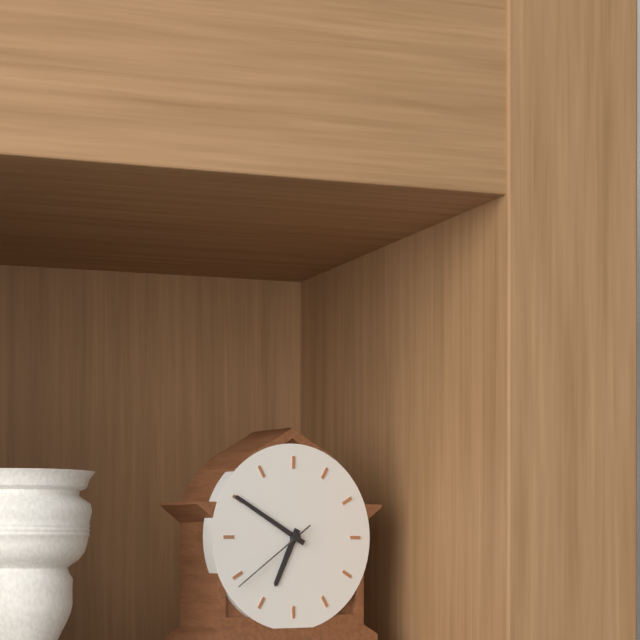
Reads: 6,50,39
